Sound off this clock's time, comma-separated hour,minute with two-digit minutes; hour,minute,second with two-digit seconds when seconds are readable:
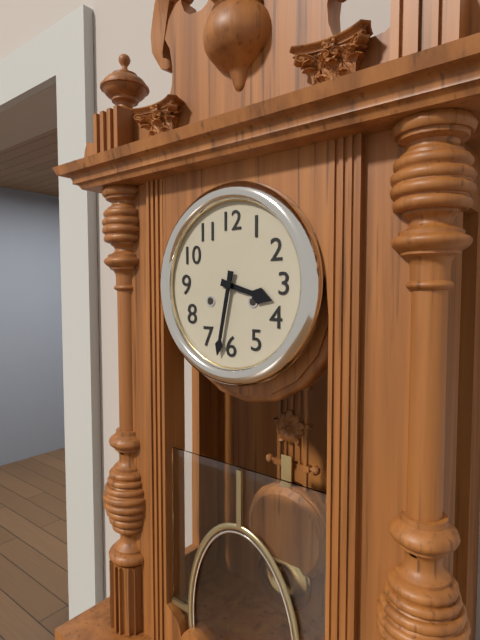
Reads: 3,32
